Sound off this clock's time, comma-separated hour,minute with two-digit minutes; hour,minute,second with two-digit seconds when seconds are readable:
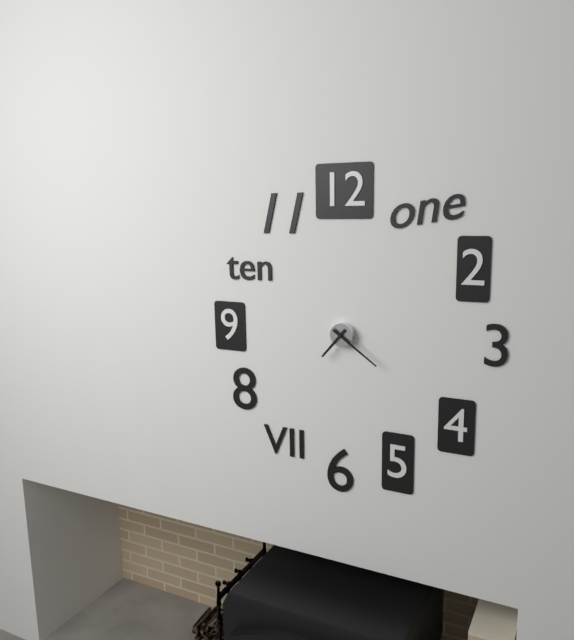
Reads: 7,21
